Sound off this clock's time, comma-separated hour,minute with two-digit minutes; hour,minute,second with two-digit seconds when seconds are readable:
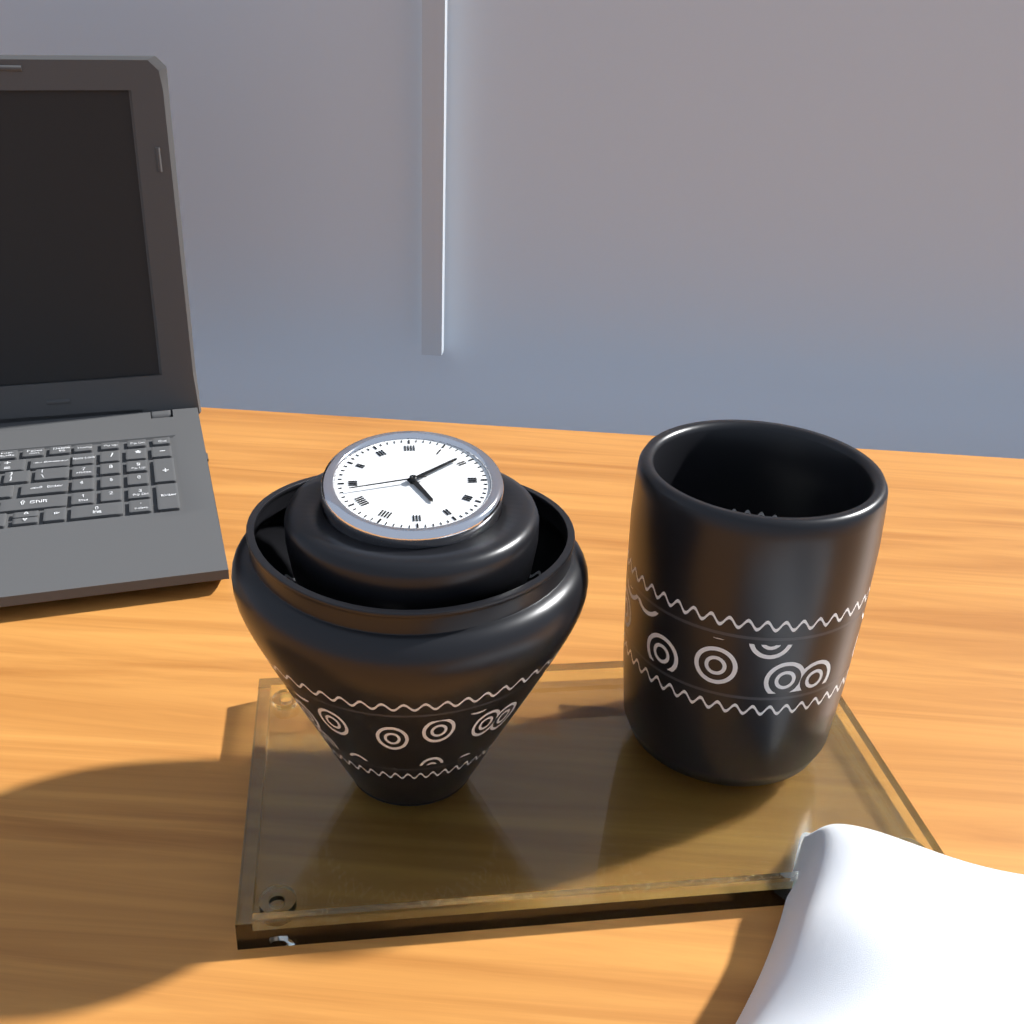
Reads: 5,09,43
